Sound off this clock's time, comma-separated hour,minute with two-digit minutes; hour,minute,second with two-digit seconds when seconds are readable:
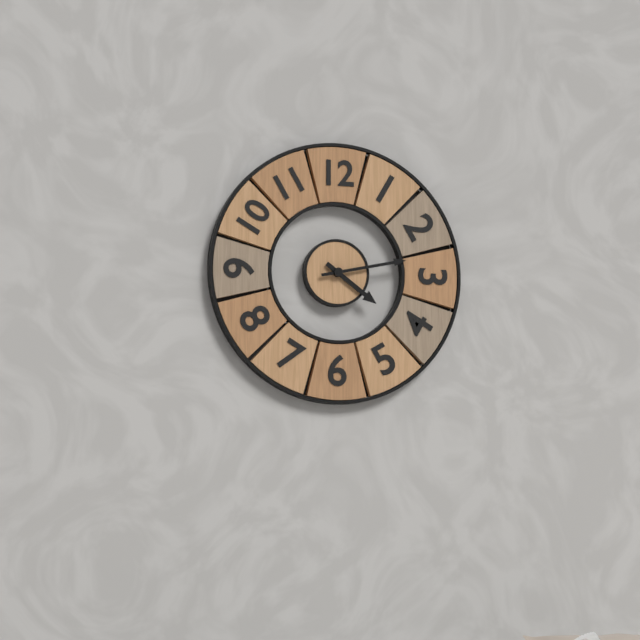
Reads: 4,13
